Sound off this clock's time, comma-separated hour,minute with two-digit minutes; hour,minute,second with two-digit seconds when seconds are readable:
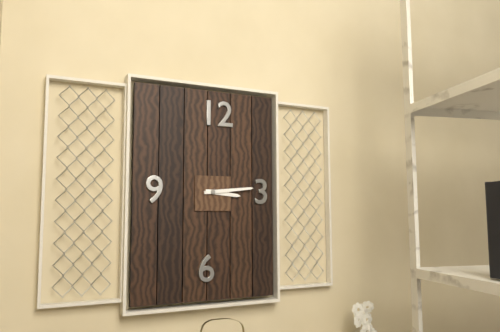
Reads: 3,14
